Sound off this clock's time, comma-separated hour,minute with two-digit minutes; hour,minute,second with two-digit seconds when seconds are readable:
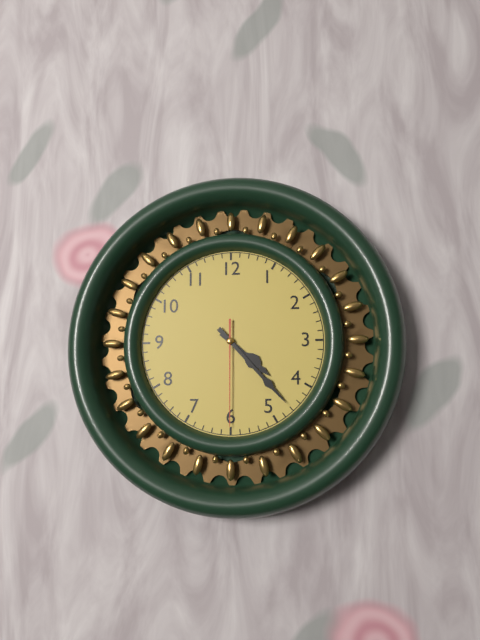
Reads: 4,23,30
